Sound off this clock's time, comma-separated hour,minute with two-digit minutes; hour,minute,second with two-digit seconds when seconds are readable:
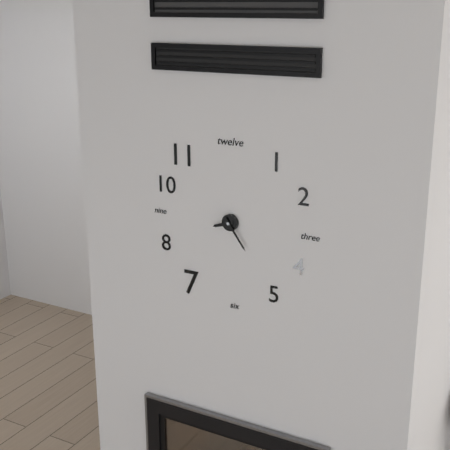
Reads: 8,24
